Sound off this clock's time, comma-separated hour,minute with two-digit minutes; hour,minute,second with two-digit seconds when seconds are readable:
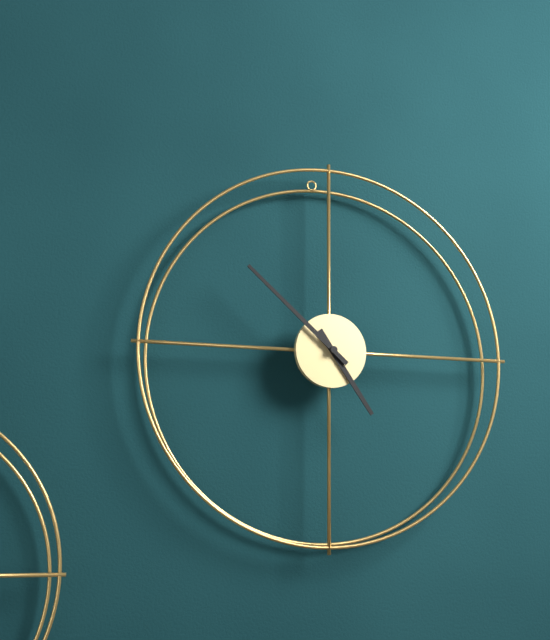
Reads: 4,52
